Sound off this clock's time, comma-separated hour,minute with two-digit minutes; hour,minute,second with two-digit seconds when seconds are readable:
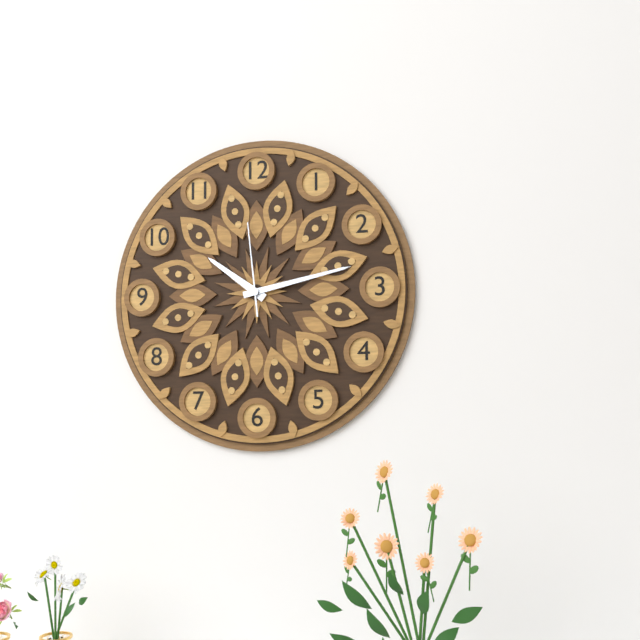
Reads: 10,13,59
